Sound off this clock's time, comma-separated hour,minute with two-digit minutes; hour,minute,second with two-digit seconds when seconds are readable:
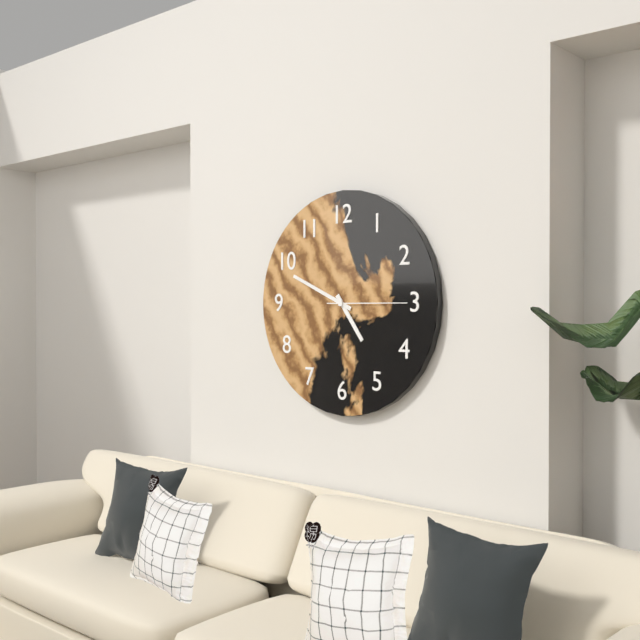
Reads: 4,49,15
